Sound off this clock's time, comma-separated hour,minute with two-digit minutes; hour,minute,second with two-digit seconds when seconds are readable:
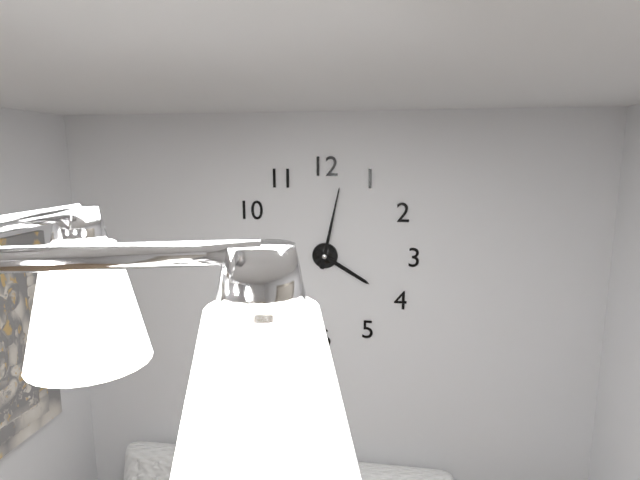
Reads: 4,02
